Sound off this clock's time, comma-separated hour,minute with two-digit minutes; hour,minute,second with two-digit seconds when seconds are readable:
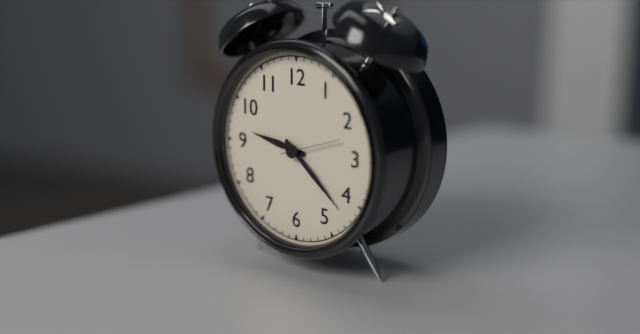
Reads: 9,22,12
